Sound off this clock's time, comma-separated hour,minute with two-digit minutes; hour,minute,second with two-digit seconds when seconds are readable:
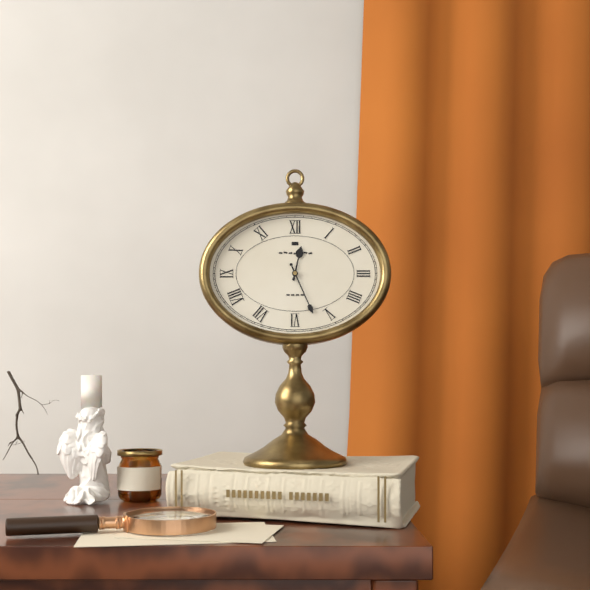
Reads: 12,26
